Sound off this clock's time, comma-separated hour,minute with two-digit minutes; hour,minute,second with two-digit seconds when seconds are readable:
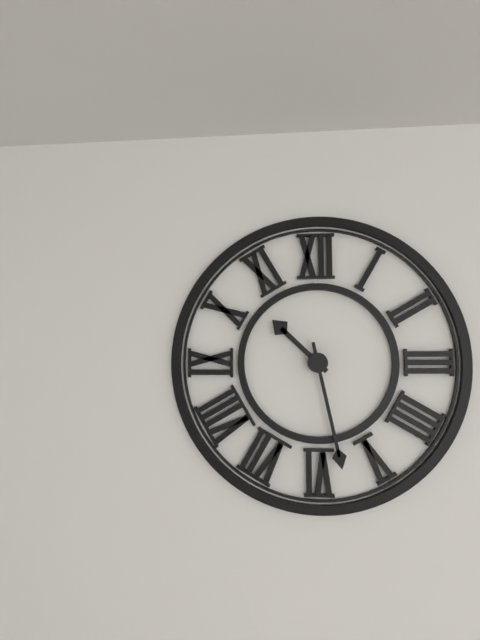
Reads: 10,28
